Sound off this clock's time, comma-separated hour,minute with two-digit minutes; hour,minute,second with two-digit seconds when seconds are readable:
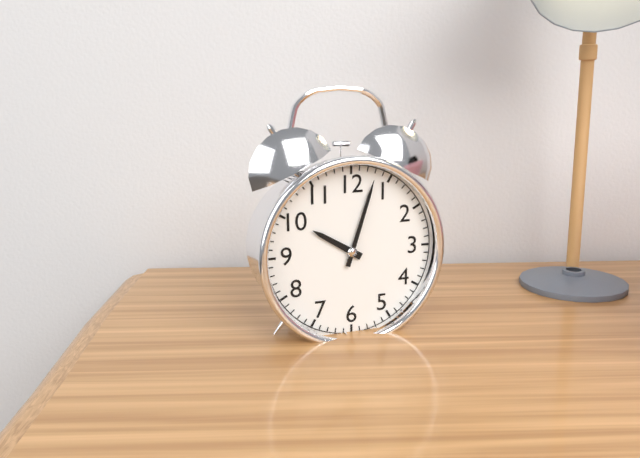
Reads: 10,03
